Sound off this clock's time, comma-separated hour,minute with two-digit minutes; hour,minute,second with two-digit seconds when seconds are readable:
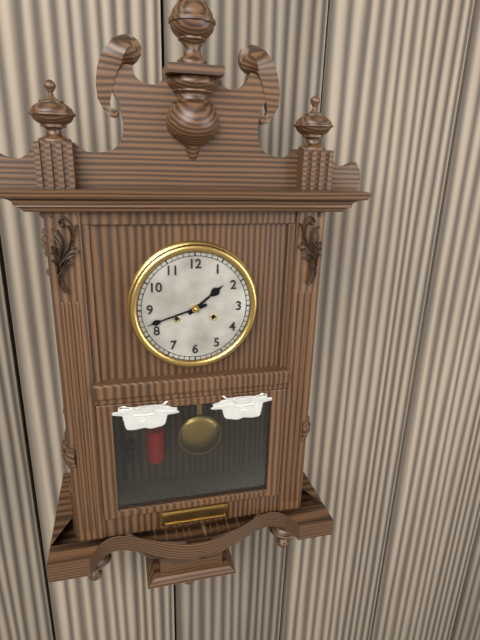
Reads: 1,42
